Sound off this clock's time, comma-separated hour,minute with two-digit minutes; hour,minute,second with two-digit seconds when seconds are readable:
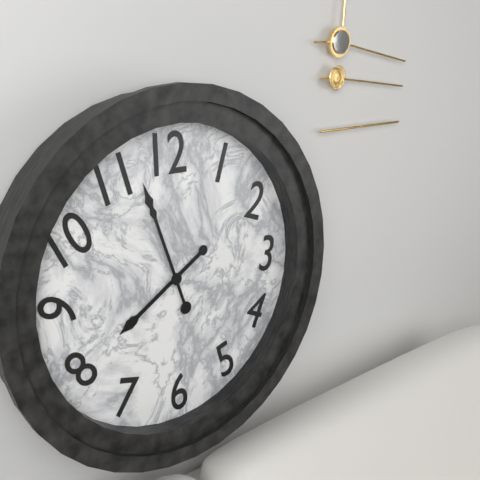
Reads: 7,57
